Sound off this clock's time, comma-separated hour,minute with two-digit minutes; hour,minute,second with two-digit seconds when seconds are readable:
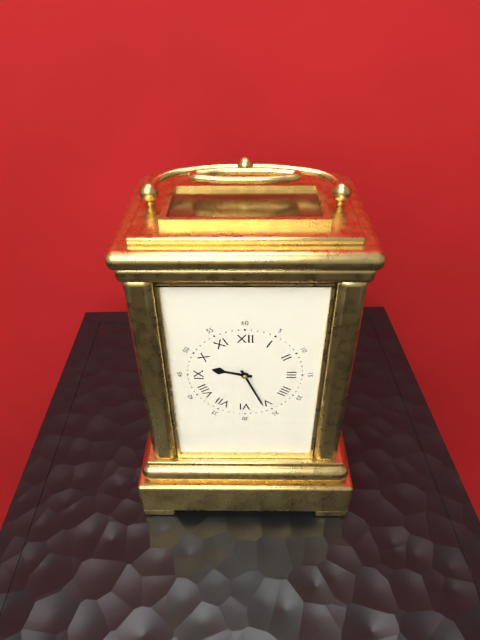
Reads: 9,26
